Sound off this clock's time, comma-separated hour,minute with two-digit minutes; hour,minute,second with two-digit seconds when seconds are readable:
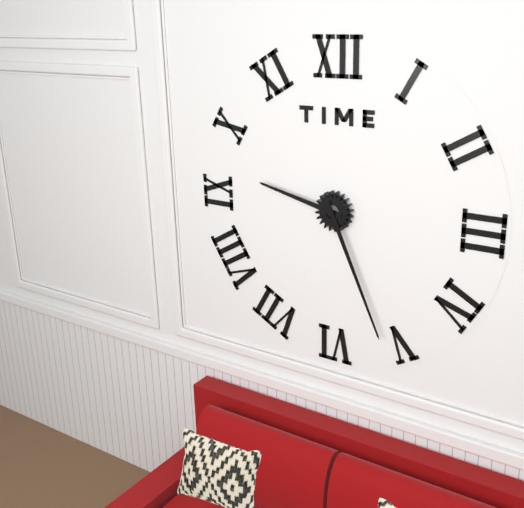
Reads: 9,26
